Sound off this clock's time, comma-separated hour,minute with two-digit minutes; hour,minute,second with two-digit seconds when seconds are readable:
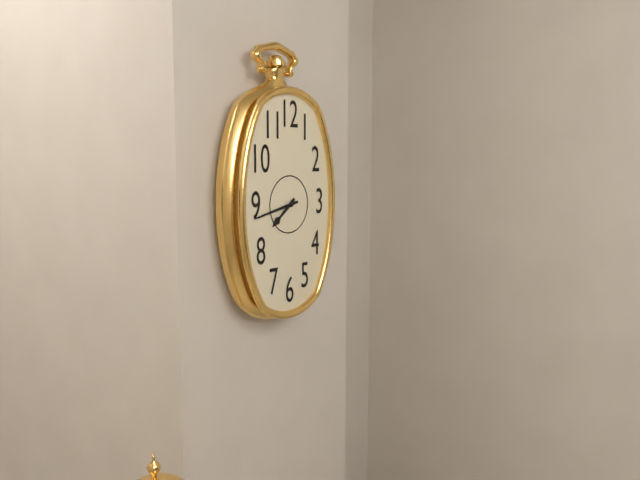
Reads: 7,43
